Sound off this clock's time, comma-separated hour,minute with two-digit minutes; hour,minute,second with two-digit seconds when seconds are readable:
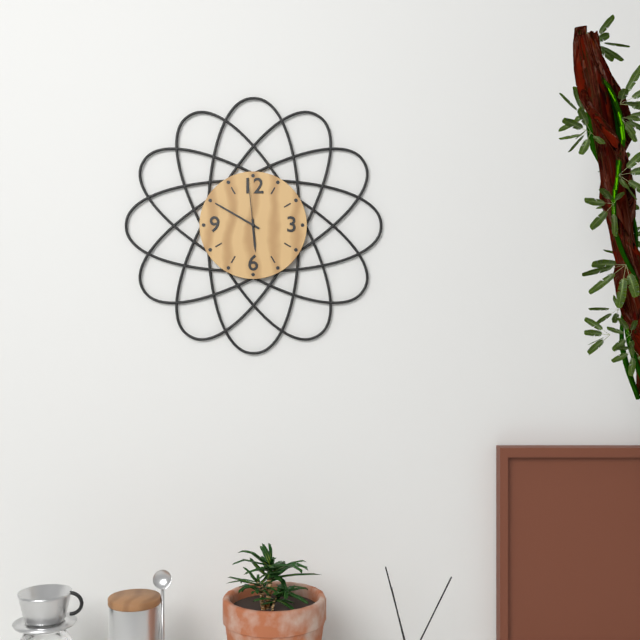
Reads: 5,50,59
